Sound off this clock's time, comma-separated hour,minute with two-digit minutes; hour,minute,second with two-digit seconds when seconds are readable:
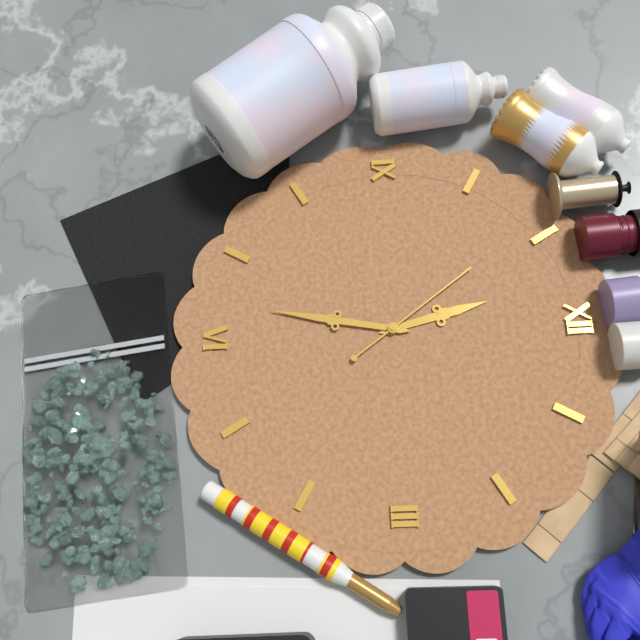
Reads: 11,32,54
